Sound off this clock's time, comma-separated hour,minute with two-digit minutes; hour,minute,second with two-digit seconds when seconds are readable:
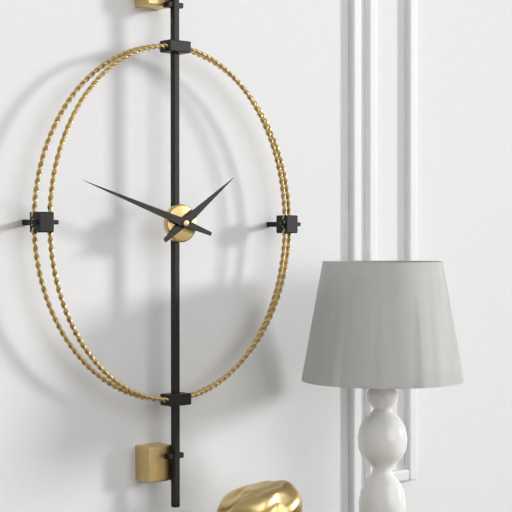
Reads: 1,48
